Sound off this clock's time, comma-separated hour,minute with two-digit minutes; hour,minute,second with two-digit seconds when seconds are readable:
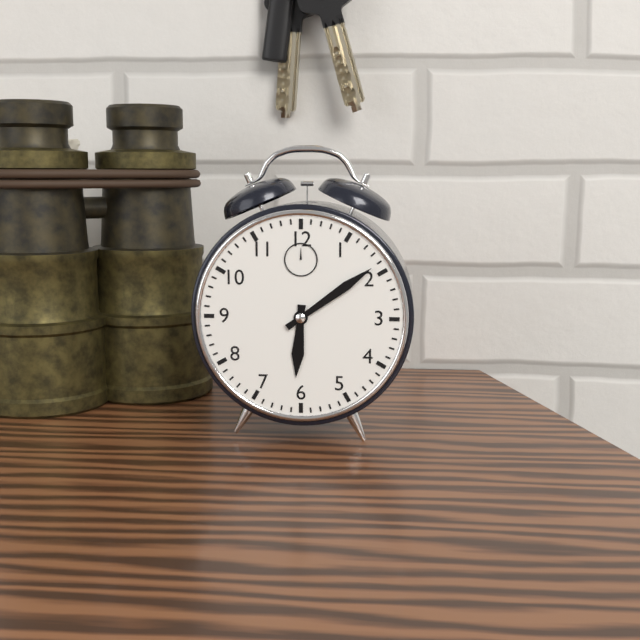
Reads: 6,09
